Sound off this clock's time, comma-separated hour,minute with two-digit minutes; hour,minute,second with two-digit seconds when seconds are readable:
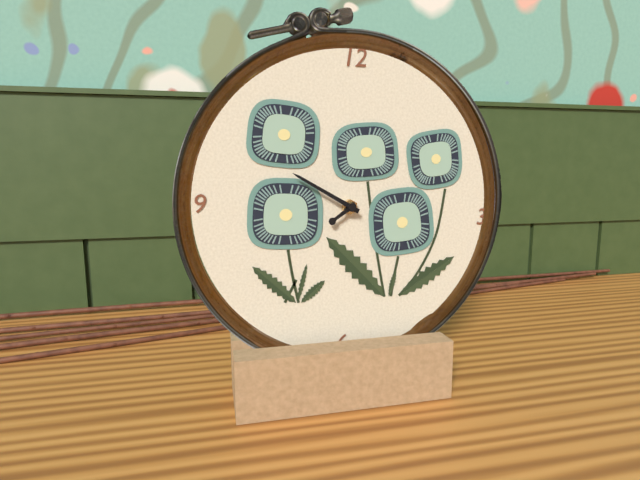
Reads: 7,50
